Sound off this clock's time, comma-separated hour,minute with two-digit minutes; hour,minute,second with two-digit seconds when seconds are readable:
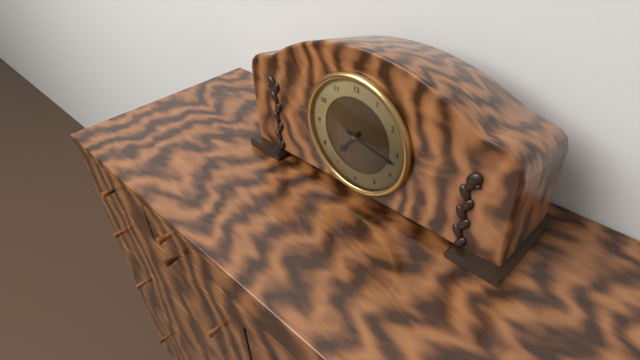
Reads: 7,17
